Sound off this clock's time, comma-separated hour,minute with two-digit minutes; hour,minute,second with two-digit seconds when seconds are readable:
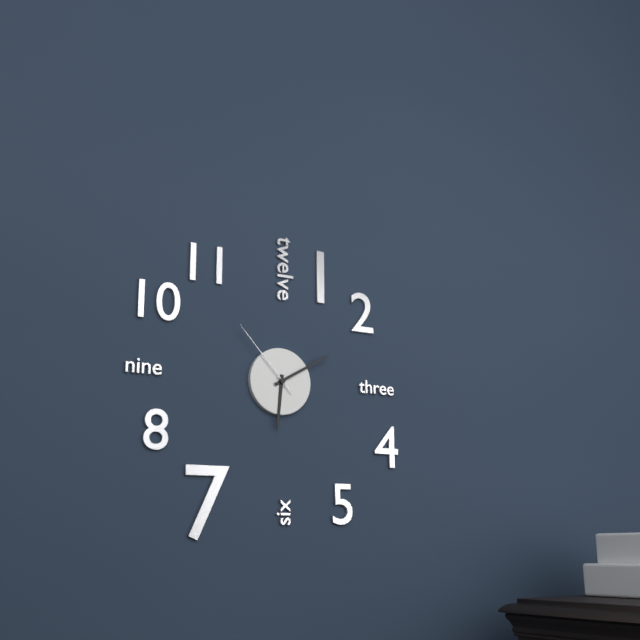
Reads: 6,10,53
